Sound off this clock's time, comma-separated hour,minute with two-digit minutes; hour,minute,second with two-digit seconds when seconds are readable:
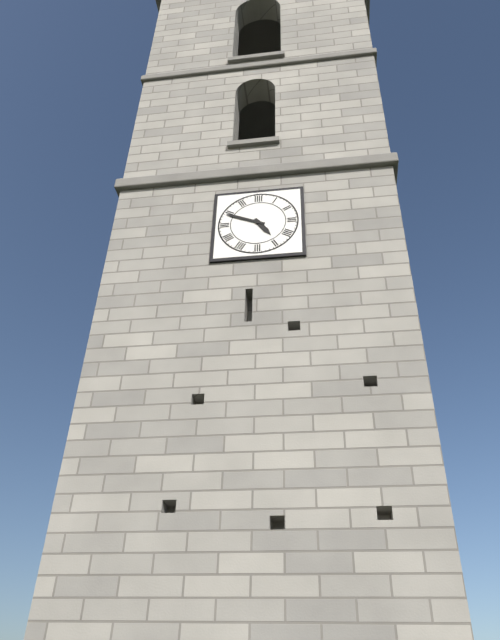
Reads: 4,49
